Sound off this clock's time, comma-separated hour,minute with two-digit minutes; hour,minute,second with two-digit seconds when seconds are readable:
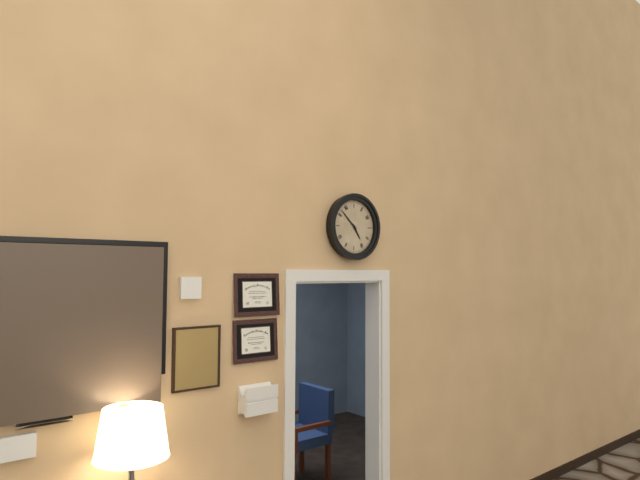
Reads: 4,52
